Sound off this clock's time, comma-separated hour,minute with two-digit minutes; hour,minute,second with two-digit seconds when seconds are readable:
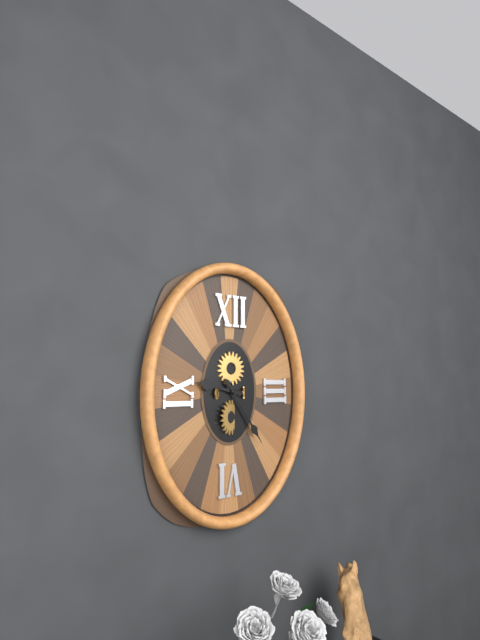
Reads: 9,24
